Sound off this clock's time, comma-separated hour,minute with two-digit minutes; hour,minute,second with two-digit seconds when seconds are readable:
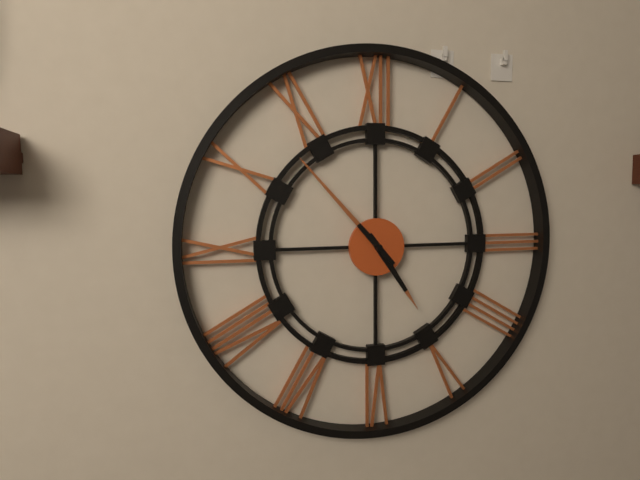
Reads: 4,53
